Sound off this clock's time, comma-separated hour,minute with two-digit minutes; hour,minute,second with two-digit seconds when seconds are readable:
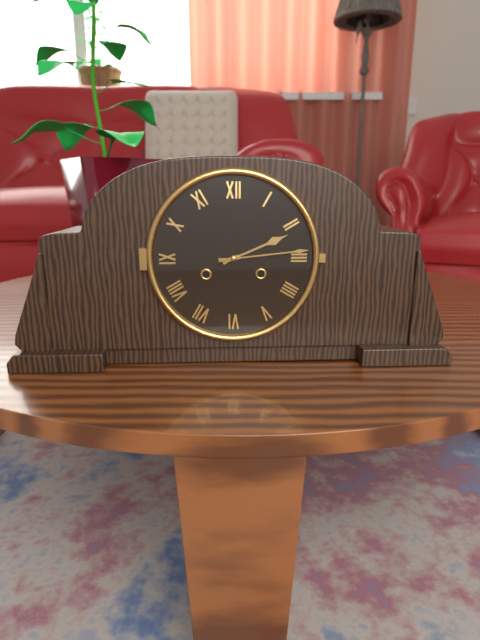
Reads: 2,14
